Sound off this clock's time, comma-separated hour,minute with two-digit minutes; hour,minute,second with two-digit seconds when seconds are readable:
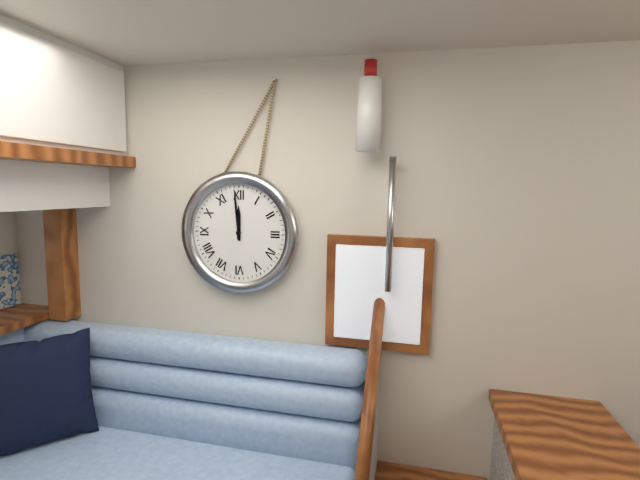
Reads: 11,59
